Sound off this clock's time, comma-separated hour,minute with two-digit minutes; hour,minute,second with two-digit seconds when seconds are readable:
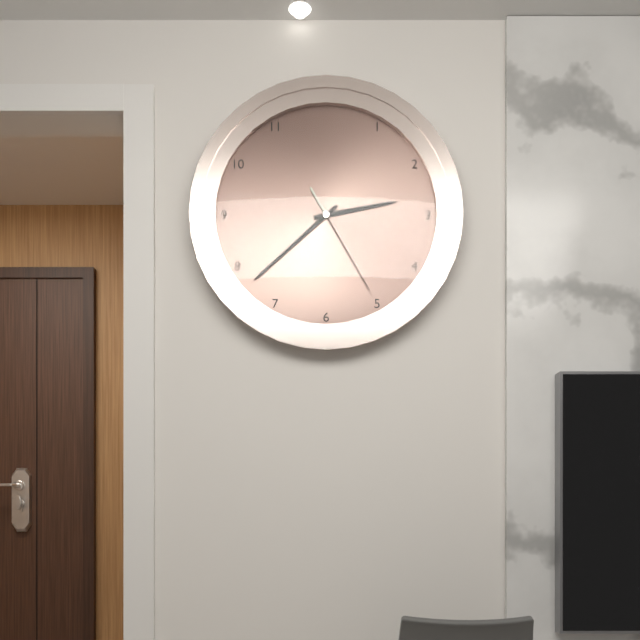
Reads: 2,38,25
